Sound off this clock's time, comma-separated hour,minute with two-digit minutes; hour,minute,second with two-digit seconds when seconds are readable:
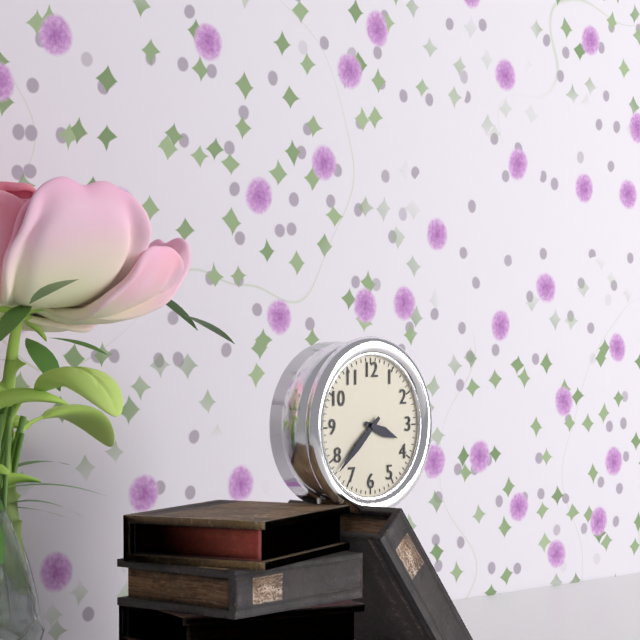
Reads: 3,38
